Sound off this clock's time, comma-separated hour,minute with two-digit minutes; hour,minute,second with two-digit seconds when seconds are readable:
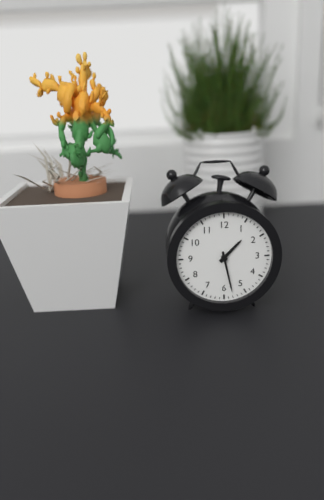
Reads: 1,28
